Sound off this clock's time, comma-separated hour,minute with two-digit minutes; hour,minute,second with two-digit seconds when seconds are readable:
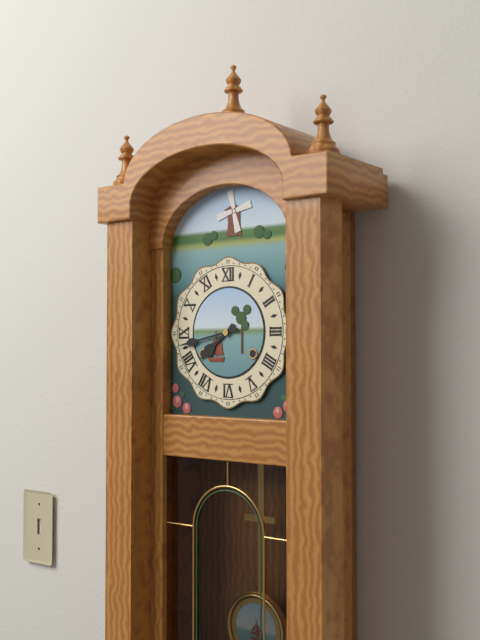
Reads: 7,43
